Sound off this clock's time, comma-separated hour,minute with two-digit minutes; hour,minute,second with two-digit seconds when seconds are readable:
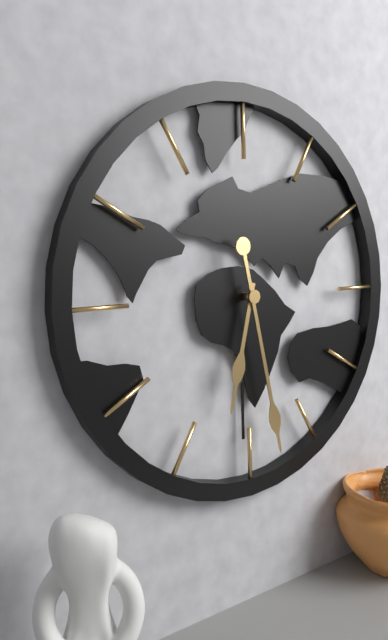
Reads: 6,28
